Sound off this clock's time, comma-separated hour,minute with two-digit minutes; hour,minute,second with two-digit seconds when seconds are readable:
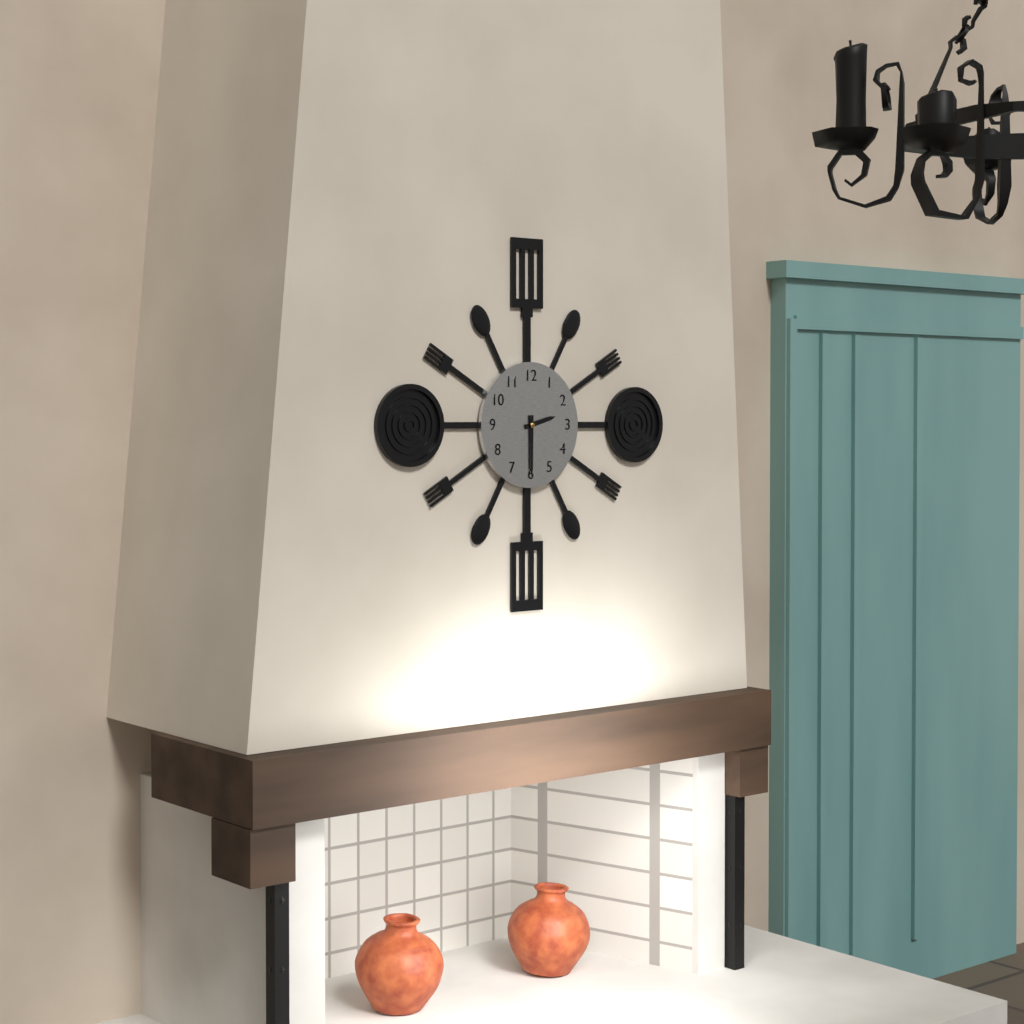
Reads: 2,30
